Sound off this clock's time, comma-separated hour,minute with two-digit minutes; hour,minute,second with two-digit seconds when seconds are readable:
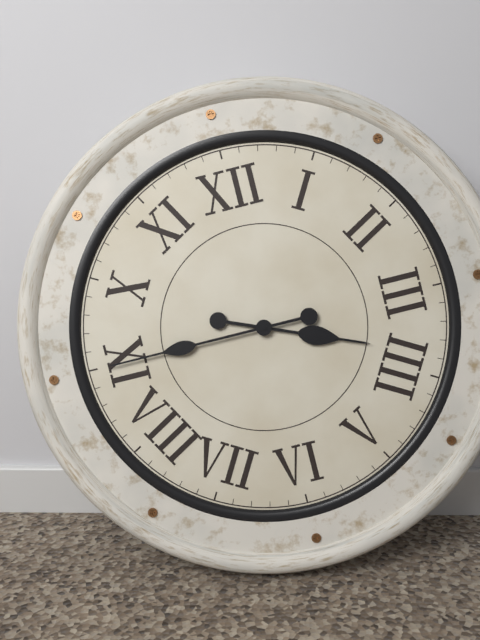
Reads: 3,45
